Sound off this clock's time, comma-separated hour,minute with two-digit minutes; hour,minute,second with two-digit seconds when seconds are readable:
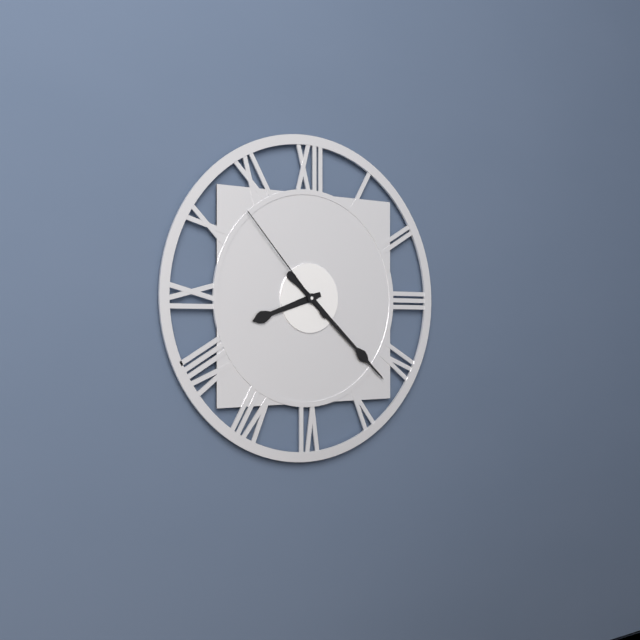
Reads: 8,22,53
